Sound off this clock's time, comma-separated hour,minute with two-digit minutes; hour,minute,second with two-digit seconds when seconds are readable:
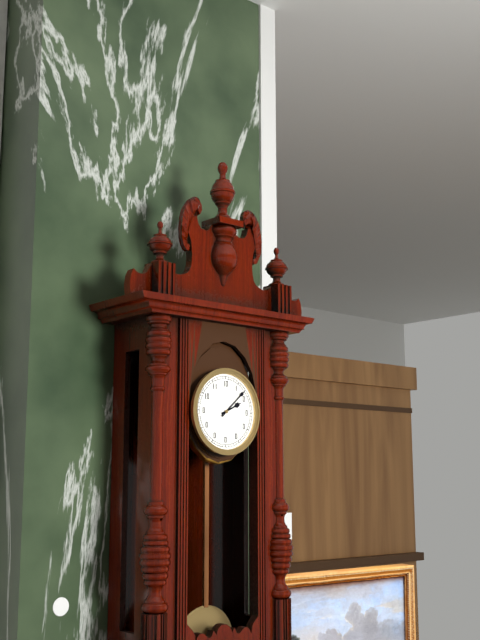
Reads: 2,08
